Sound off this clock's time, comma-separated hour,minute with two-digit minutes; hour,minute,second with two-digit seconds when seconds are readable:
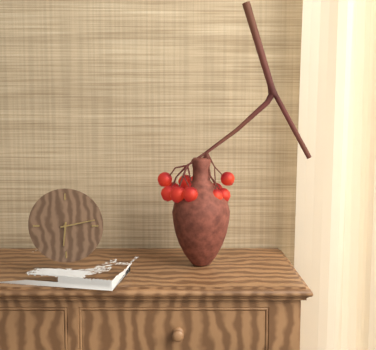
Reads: 6,13
